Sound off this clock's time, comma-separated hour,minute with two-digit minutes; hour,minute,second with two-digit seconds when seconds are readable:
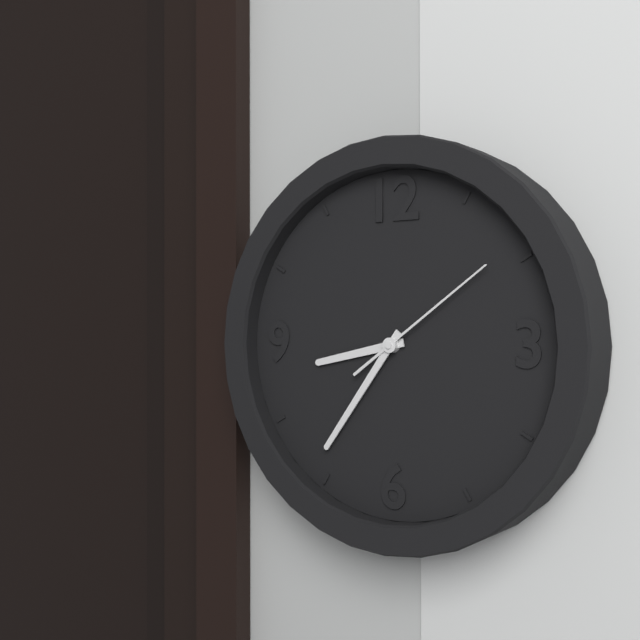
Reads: 8,36,09
